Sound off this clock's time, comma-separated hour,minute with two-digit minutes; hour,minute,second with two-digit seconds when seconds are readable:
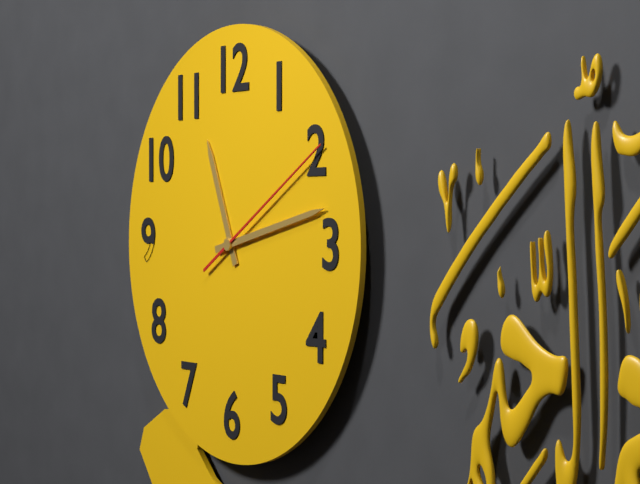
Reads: 11,13,10
